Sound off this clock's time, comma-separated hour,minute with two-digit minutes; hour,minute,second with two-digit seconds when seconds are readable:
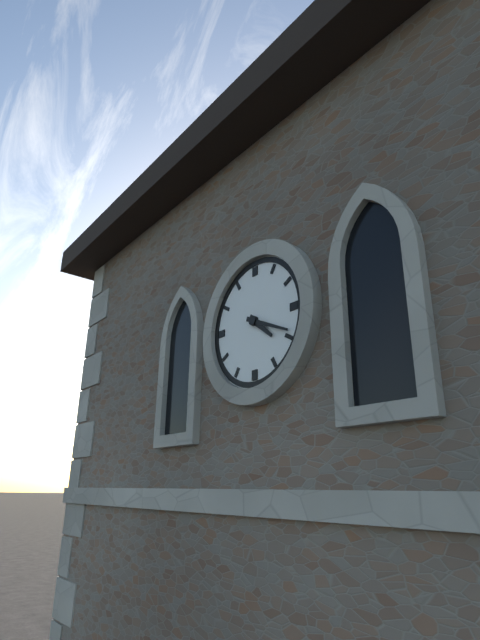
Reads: 4,19
